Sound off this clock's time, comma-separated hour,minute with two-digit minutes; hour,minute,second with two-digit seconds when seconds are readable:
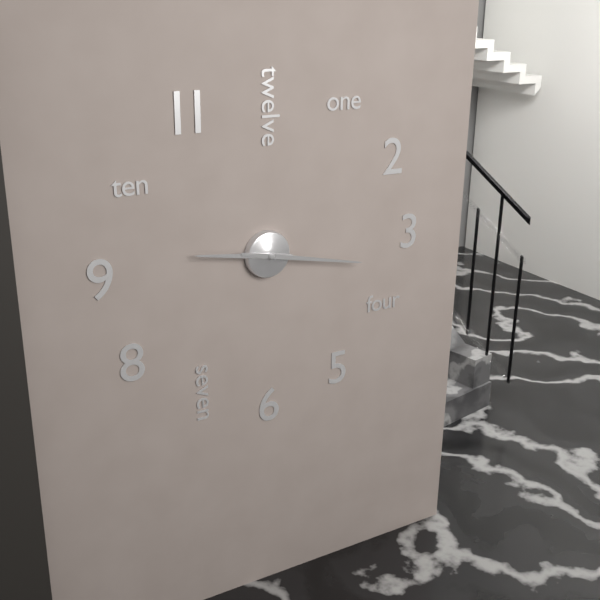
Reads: 9,17
